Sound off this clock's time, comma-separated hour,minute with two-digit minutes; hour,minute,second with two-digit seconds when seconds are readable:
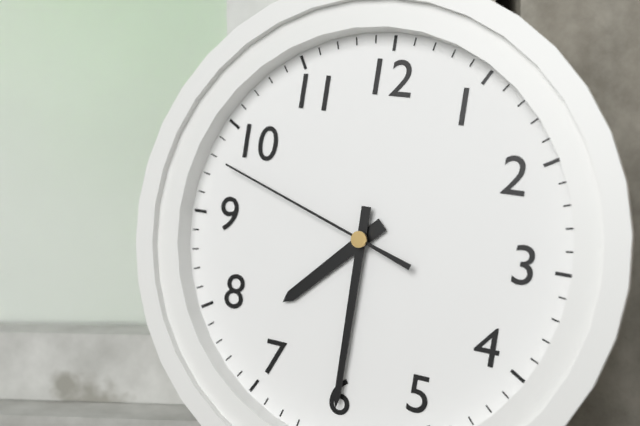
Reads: 7,30,48
